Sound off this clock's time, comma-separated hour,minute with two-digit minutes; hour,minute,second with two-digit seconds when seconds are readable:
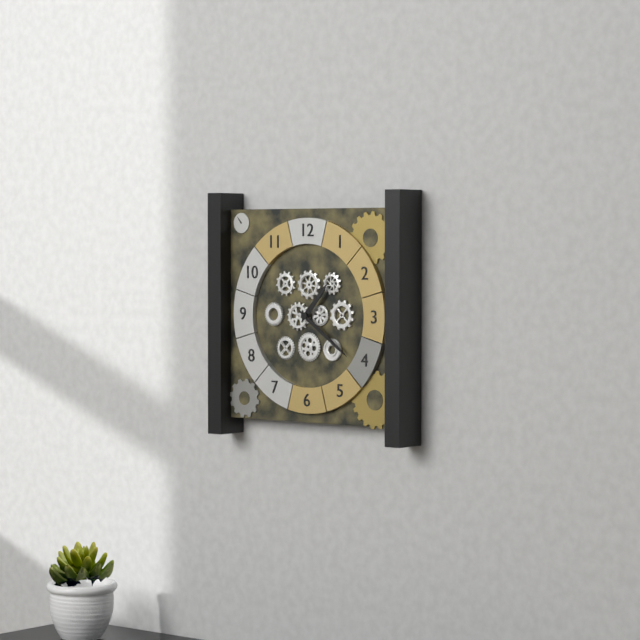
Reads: 1,21
